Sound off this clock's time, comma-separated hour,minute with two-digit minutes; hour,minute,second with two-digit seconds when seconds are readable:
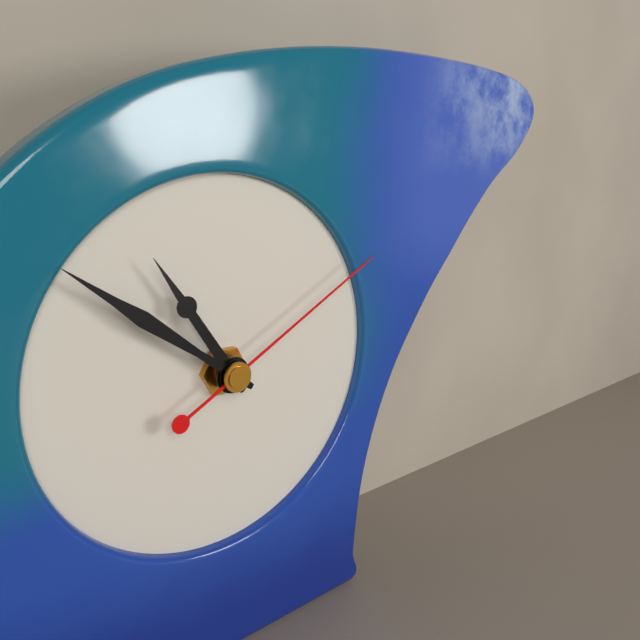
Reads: 10,51,10
